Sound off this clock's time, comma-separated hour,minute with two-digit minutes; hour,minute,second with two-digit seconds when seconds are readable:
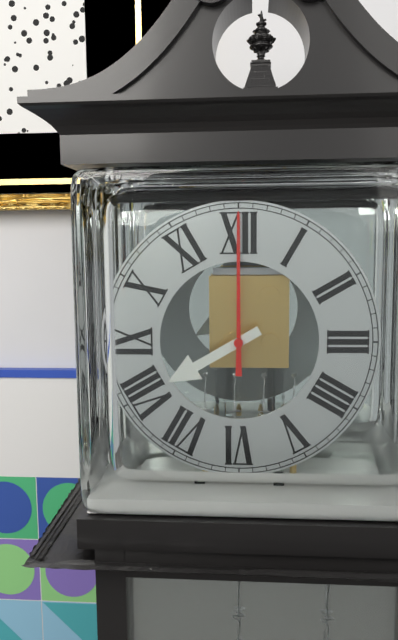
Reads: 8,00
